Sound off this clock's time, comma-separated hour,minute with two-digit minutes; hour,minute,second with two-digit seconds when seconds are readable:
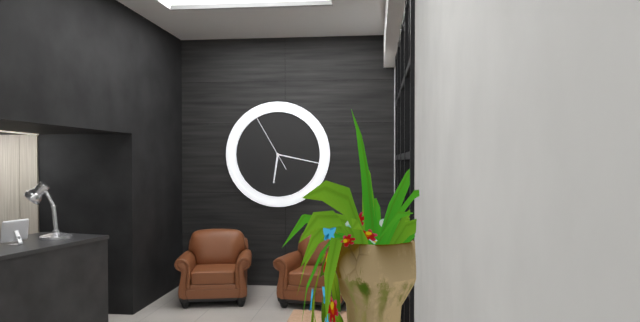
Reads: 6,17,55
